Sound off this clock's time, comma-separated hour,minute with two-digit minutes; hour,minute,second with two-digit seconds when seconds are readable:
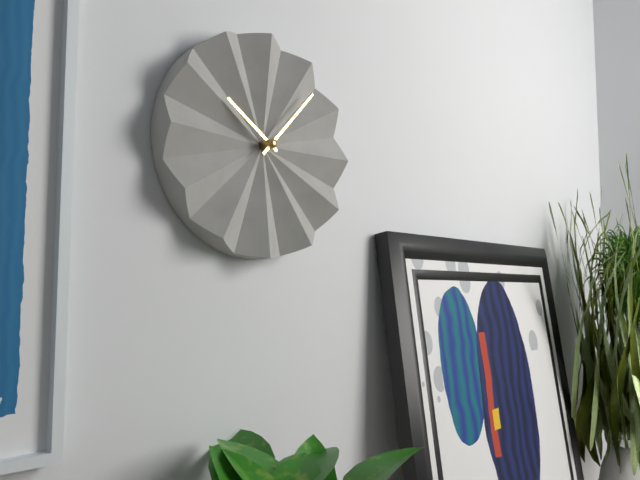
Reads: 10,07
